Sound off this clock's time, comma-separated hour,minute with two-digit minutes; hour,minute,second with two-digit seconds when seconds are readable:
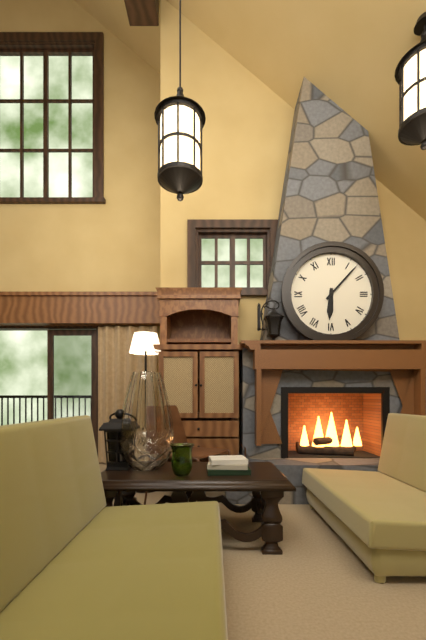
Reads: 6,07
